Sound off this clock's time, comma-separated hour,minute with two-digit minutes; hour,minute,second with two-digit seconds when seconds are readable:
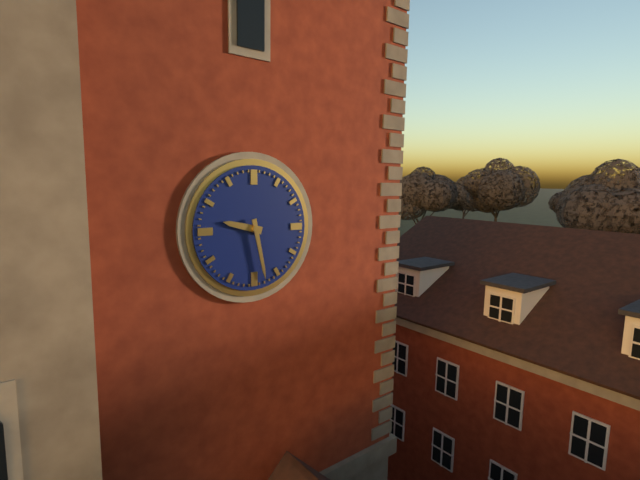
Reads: 9,28
